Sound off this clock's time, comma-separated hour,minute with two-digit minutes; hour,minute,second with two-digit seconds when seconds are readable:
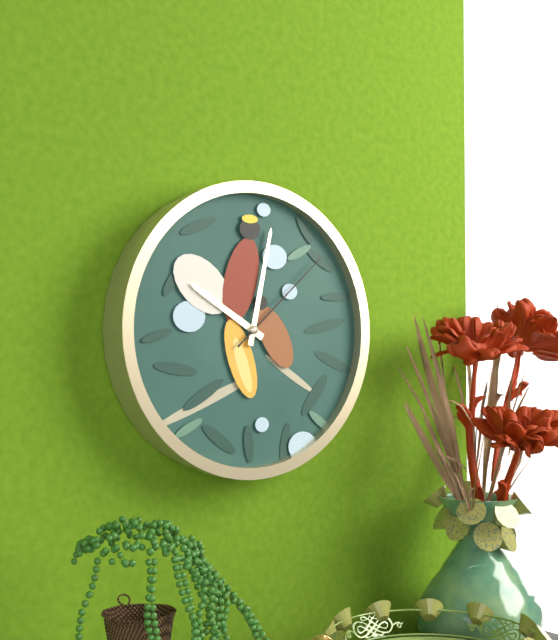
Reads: 10,02,08
